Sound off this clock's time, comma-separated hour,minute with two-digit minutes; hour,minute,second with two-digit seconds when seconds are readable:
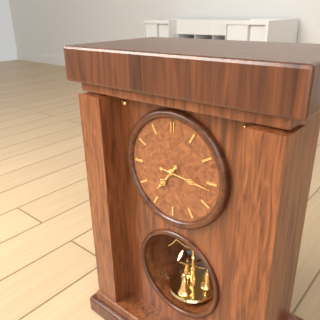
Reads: 7,16
